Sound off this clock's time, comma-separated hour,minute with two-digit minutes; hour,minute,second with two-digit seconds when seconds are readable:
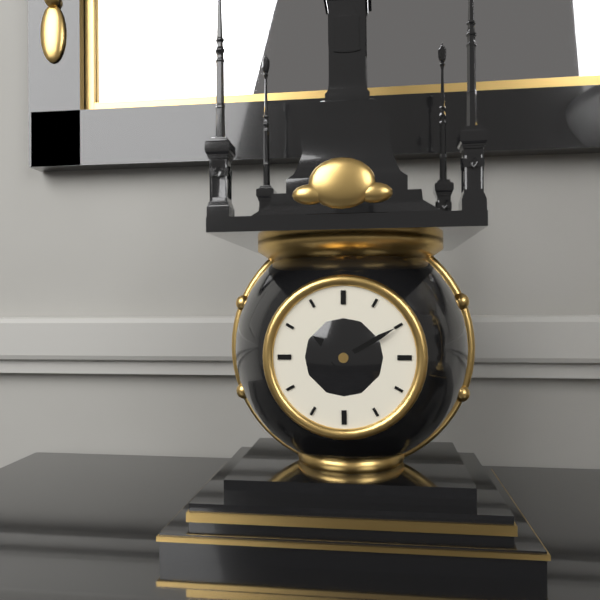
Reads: 10,10
